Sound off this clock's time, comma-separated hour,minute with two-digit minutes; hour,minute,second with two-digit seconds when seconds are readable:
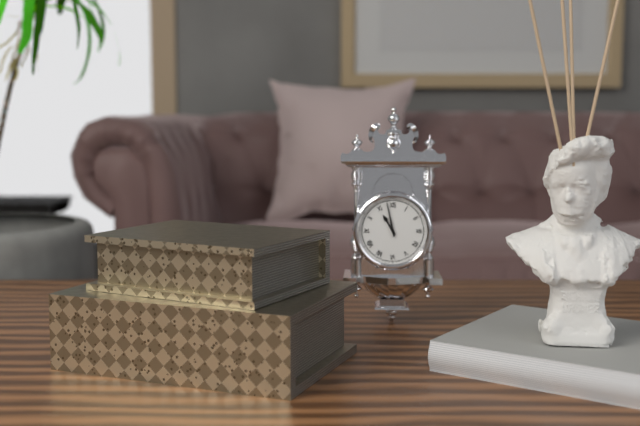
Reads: 10,58
